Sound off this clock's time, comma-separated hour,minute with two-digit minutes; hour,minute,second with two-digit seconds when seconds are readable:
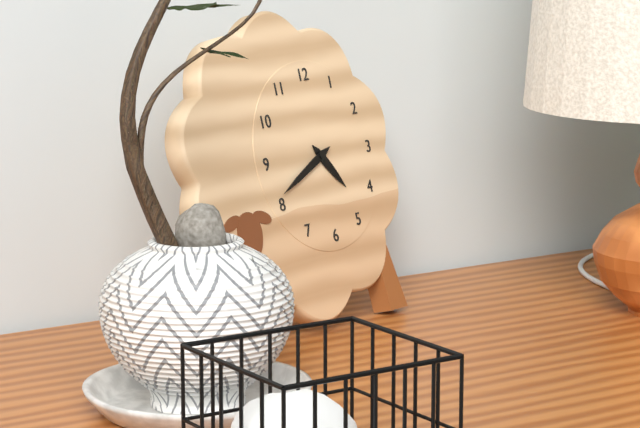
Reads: 4,41
